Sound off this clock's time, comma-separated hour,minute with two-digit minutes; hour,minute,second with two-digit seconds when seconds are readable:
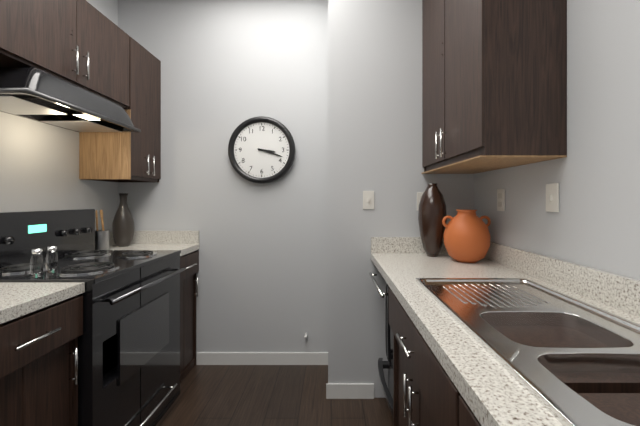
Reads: 3,18
